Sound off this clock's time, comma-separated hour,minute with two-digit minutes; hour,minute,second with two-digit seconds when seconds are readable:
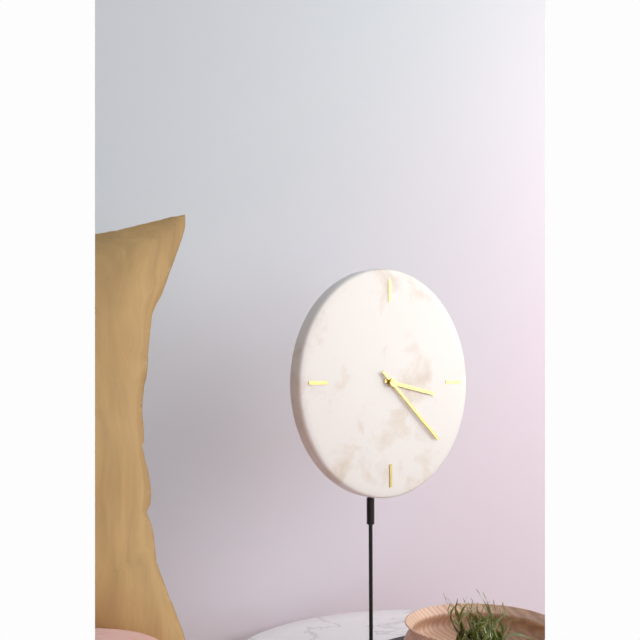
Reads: 3,22
